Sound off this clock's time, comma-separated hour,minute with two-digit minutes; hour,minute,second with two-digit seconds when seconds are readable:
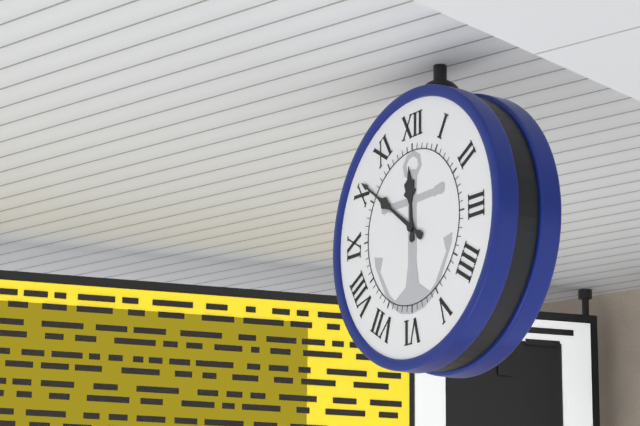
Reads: 11,51
